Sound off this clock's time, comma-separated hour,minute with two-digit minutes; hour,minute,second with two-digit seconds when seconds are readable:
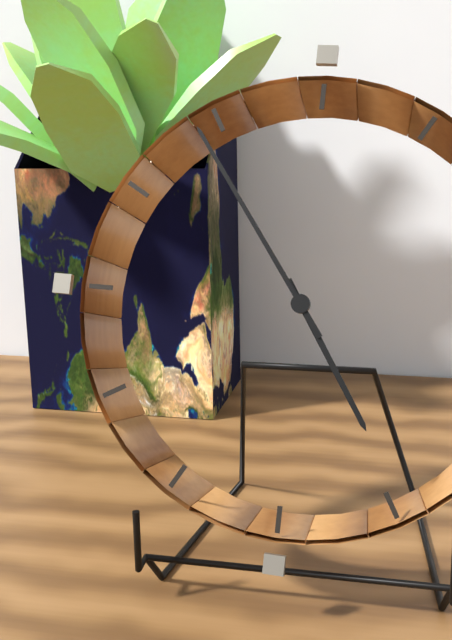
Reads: 4,54
